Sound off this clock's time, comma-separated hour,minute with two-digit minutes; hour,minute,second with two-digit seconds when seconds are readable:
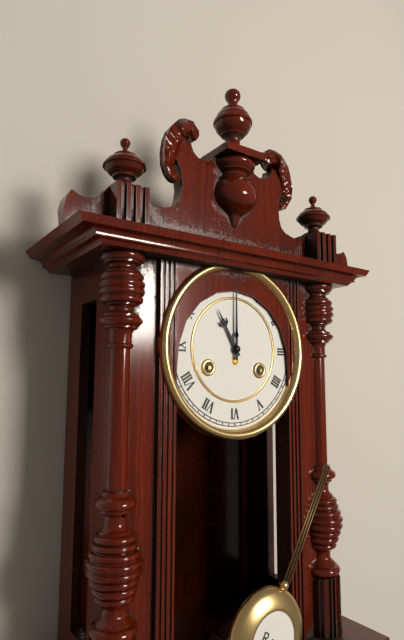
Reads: 11,00
